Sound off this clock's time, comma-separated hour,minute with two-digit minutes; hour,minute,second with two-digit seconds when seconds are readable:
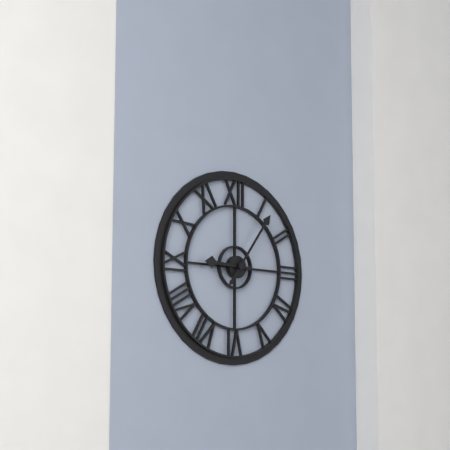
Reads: 9,06
